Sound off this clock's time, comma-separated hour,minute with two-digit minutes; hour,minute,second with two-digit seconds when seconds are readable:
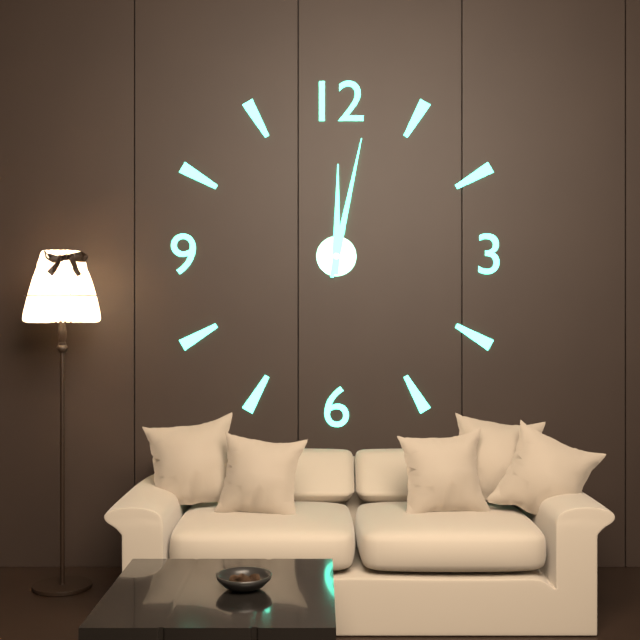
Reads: 12,02
